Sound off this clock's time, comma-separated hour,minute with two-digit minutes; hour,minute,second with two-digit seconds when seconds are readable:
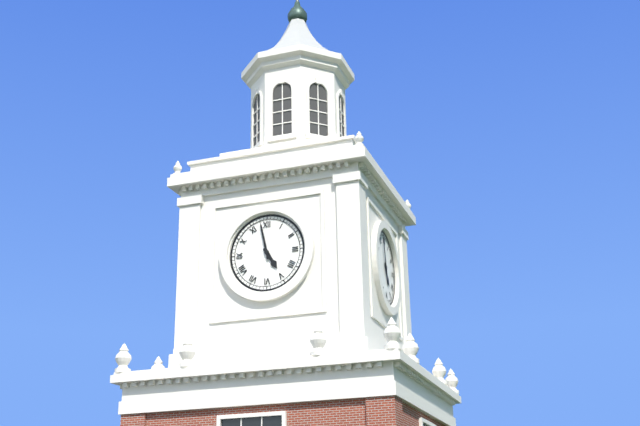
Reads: 4,58
